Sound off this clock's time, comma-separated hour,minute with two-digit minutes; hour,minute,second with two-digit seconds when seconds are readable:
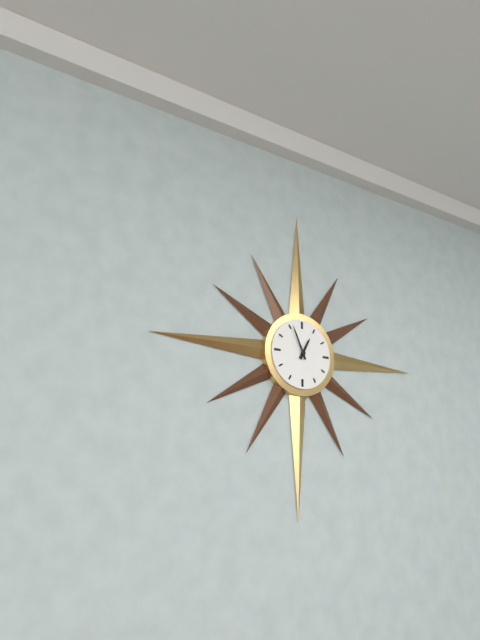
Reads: 12,56
